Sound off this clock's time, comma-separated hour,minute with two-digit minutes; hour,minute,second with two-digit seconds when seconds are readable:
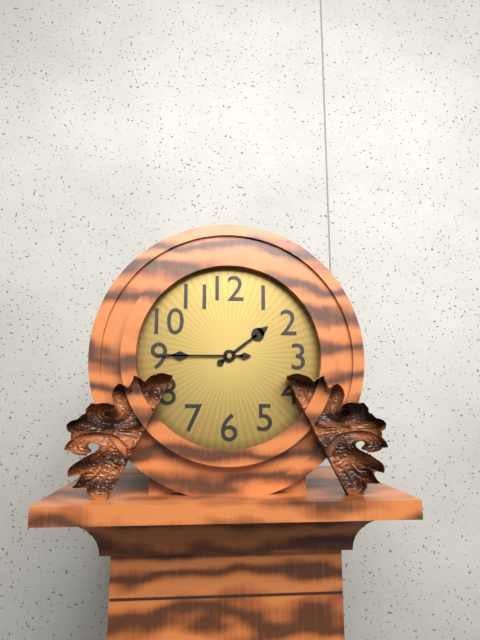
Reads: 1,45
